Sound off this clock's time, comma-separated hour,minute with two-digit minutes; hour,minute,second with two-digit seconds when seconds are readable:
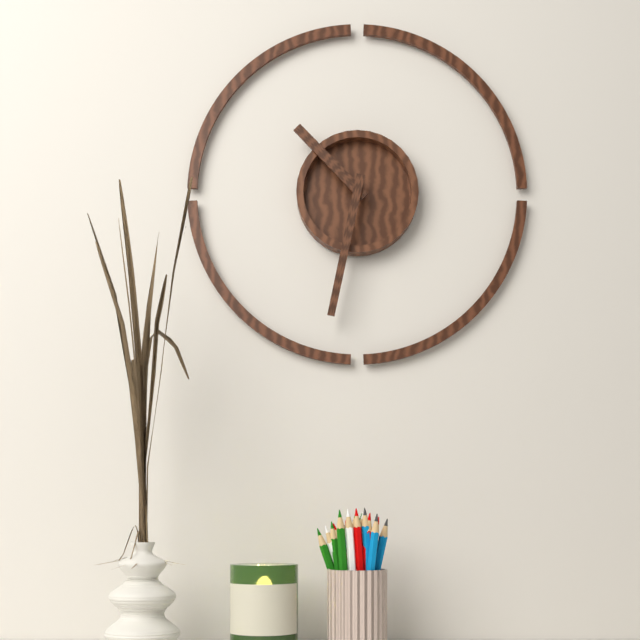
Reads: 10,32
